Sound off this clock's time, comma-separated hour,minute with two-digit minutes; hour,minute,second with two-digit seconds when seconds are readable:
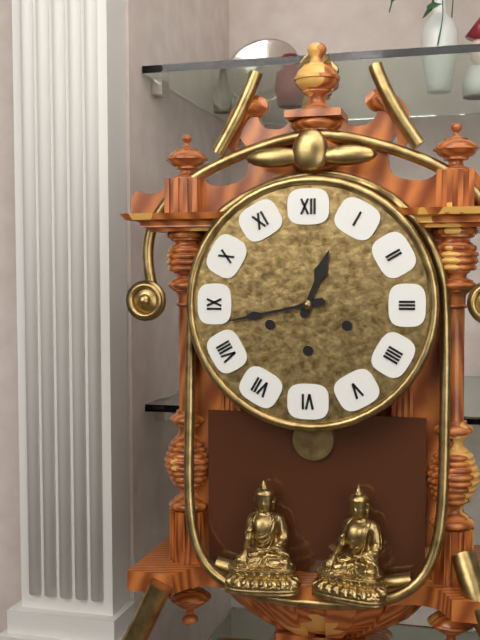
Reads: 12,43
